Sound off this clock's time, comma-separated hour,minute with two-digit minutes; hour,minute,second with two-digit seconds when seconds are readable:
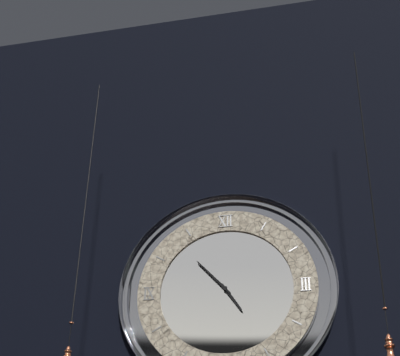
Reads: 4,53
